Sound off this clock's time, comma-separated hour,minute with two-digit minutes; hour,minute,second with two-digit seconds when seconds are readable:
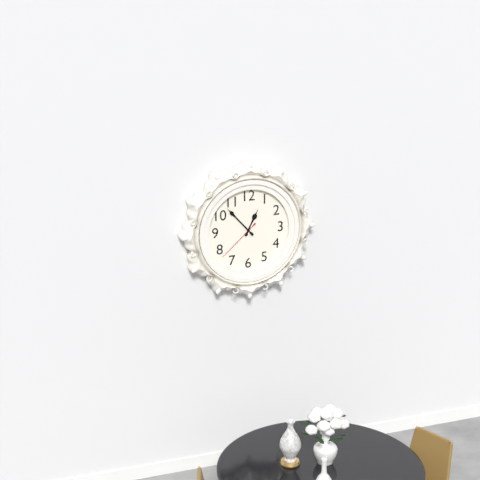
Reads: 12,53
